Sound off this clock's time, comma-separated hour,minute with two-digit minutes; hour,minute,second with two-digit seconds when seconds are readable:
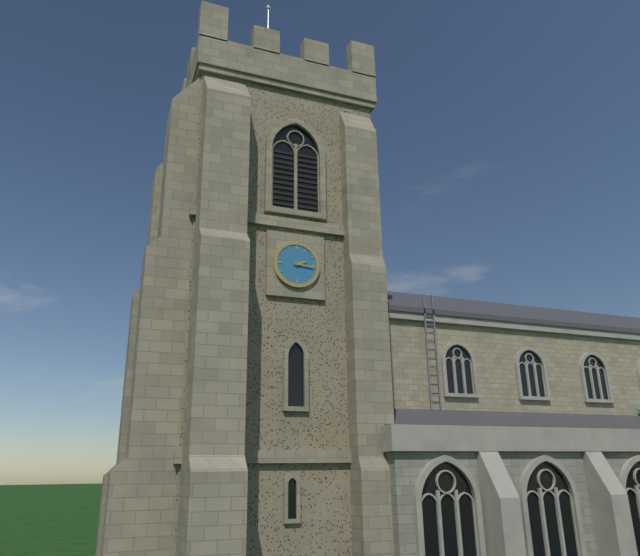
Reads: 2,16
